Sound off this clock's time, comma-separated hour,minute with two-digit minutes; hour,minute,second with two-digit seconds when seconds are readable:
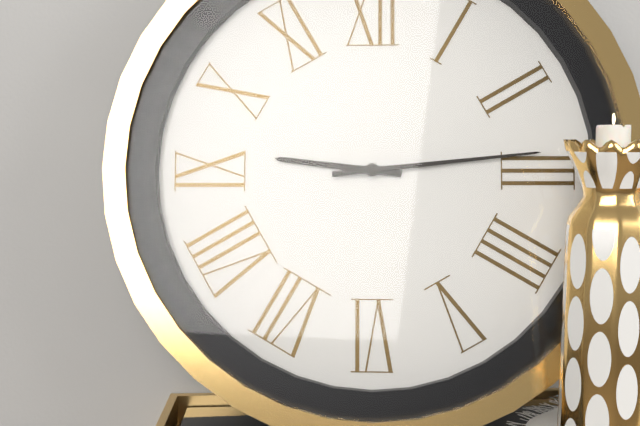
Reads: 9,14
